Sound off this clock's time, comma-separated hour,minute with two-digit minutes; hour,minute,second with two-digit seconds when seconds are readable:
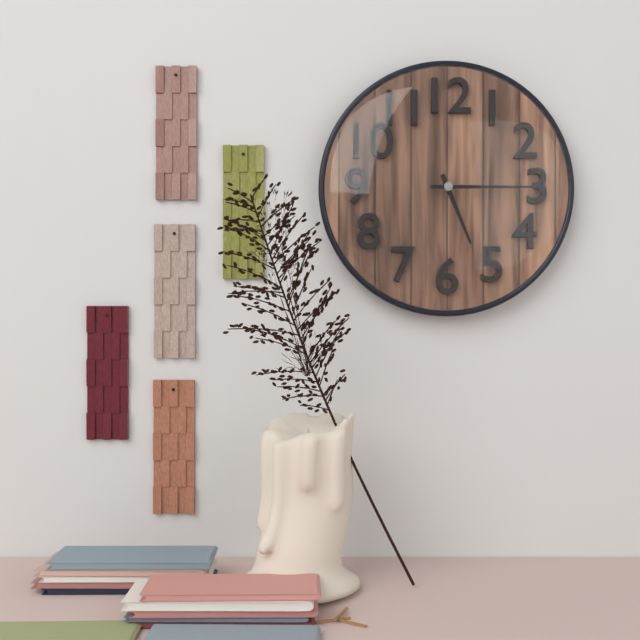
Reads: 5,15
